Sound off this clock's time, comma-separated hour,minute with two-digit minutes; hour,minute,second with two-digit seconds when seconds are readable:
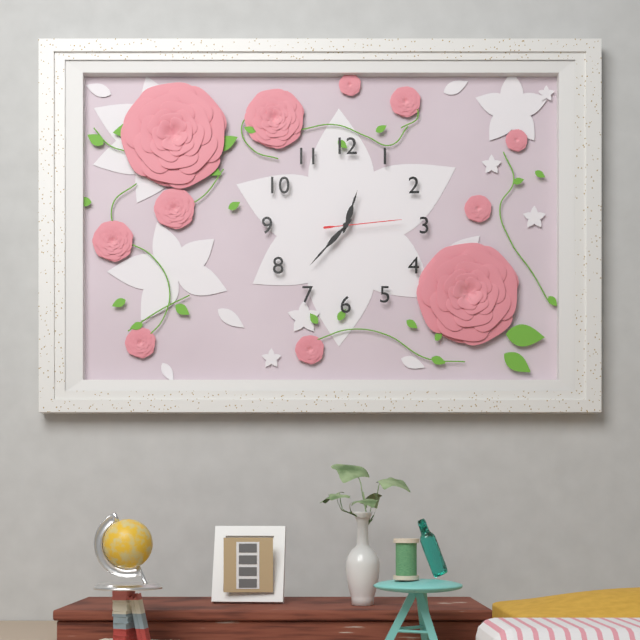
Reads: 12,37,14
